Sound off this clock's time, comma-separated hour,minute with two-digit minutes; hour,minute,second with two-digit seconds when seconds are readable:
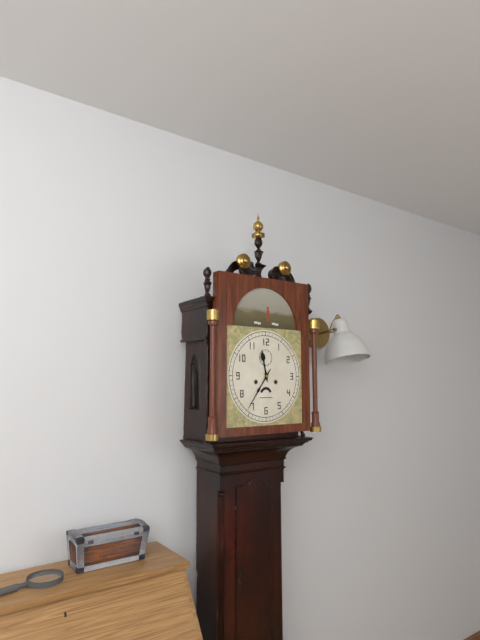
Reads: 11,36
